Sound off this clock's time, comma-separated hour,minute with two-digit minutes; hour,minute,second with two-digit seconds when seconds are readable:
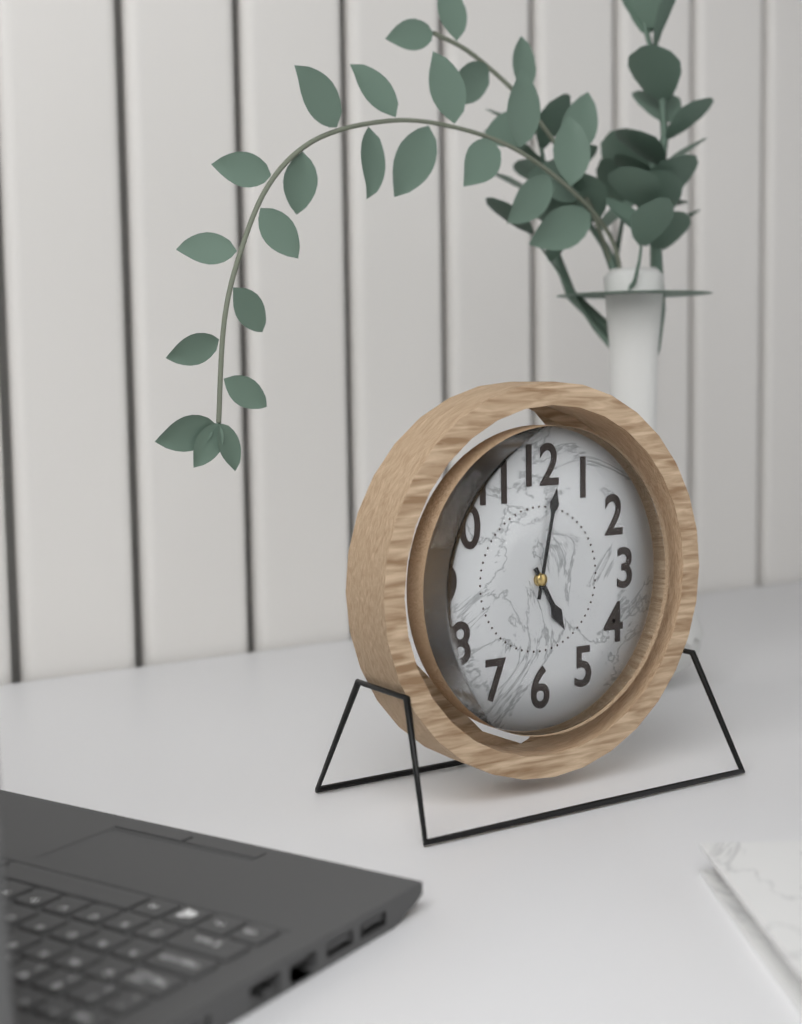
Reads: 5,02
